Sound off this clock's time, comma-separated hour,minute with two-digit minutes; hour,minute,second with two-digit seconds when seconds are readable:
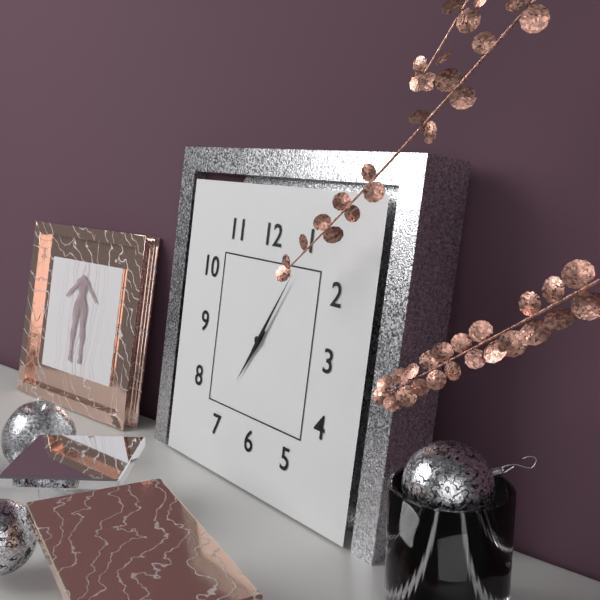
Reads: 7,05
